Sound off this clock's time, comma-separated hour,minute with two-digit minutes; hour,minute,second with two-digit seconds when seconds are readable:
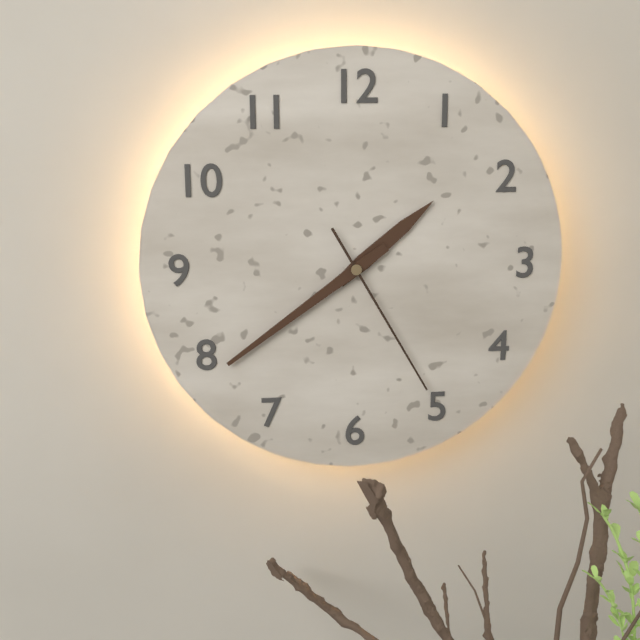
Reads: 1,39,25
